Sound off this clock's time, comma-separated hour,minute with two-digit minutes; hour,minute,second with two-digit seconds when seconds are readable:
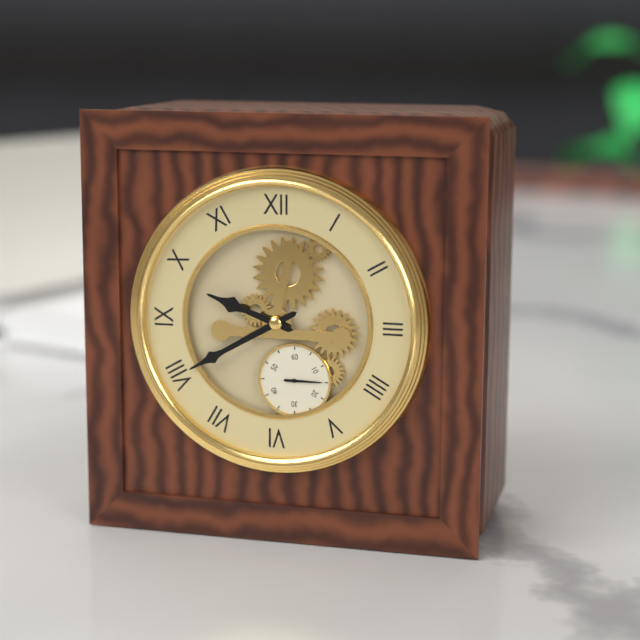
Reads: 9,40
